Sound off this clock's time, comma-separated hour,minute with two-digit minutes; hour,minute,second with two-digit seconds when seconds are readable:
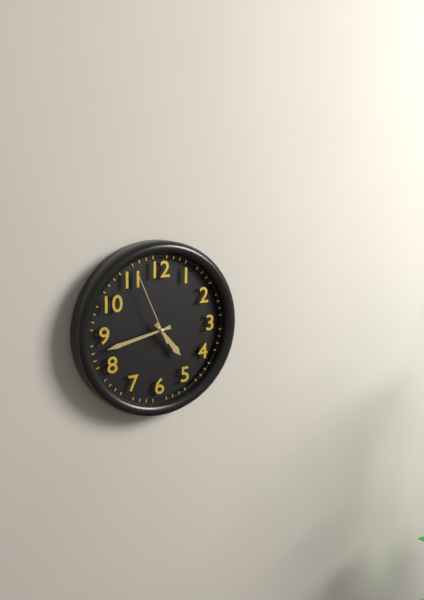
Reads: 4,43,56
